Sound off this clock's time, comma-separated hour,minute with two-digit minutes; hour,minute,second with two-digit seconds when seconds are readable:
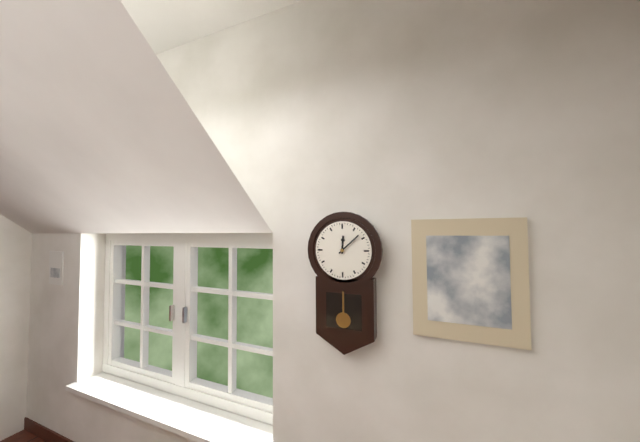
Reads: 12,08
